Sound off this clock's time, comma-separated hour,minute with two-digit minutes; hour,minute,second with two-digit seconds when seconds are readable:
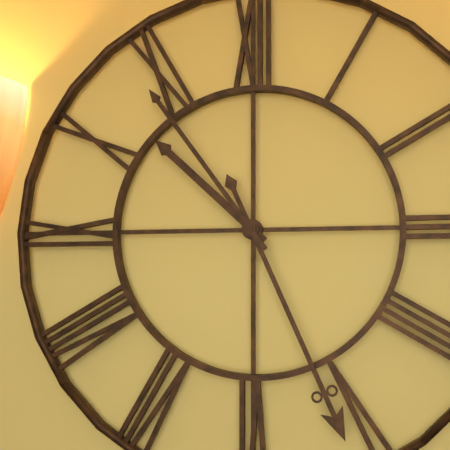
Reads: 10,26,54
